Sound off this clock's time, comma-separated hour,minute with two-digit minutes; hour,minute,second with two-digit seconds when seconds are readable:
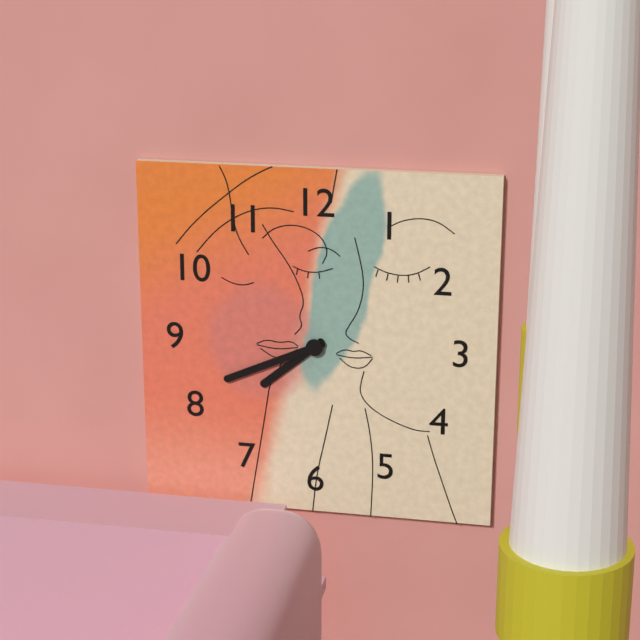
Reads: 7,41
